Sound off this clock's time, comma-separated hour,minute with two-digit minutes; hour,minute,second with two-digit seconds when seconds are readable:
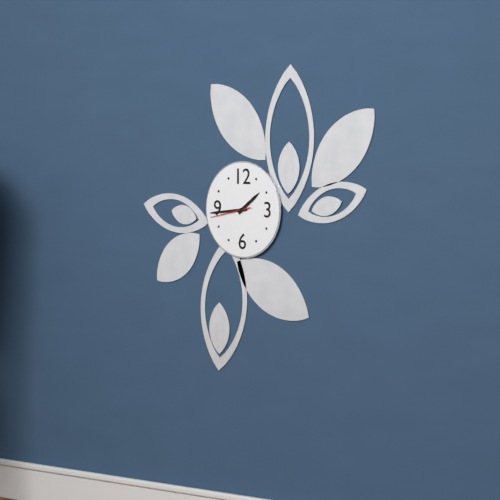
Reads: 1,44
